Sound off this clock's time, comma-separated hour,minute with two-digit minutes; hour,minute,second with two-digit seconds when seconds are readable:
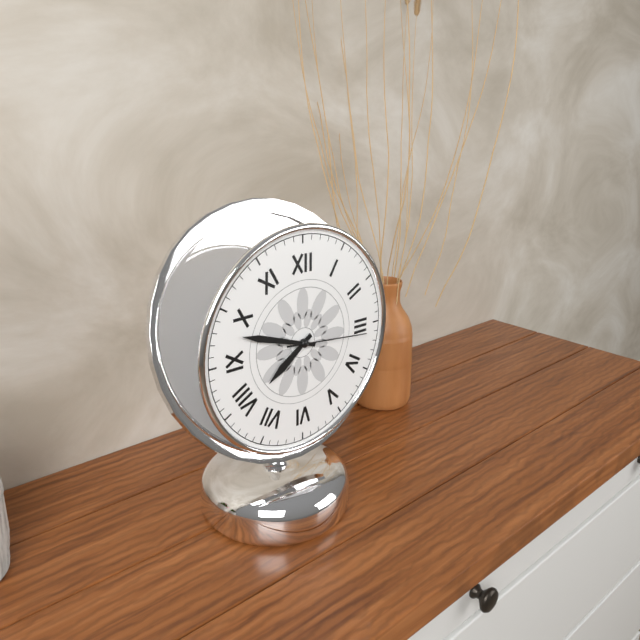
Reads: 7,48,16
